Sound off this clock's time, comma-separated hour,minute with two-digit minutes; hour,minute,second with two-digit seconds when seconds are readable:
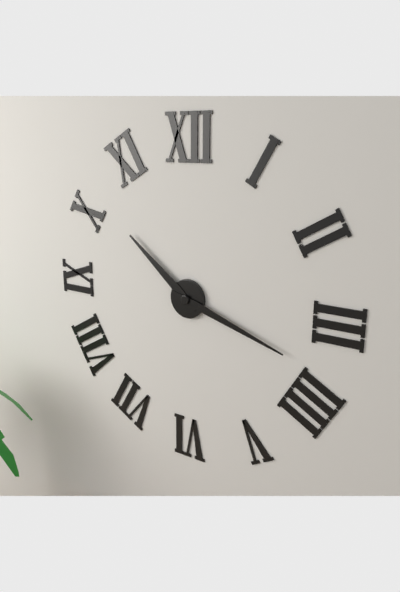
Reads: 10,18
